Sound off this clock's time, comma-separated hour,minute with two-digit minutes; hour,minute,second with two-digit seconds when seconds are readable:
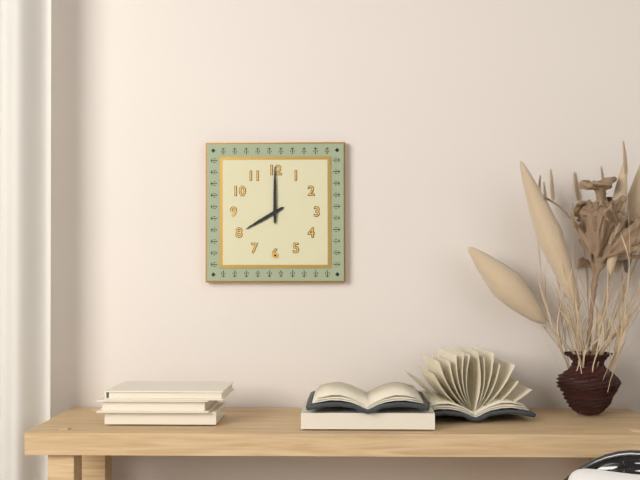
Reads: 8,00
